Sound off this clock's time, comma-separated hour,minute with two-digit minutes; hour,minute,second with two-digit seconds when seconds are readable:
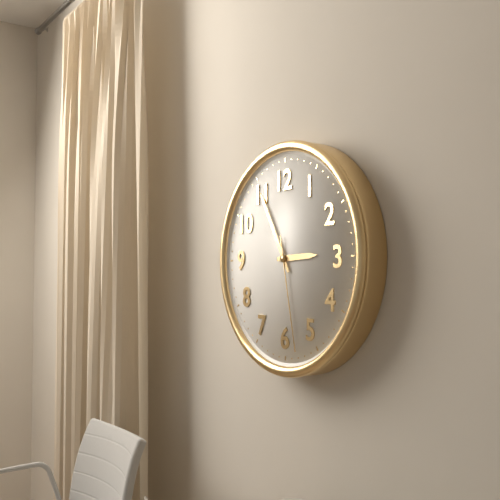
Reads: 2,55,28
